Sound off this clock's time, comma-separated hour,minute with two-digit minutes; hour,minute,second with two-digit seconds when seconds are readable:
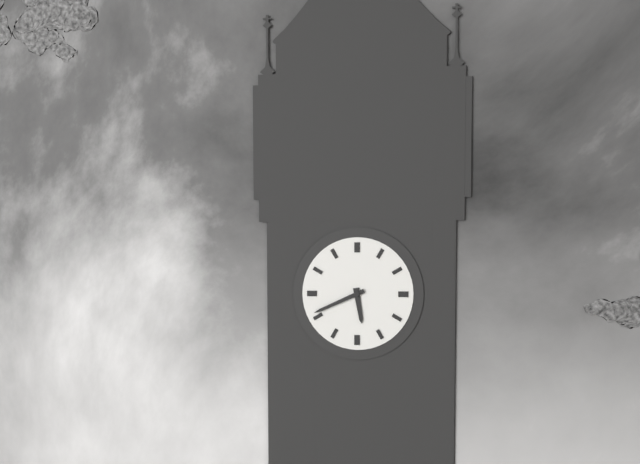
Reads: 5,41
